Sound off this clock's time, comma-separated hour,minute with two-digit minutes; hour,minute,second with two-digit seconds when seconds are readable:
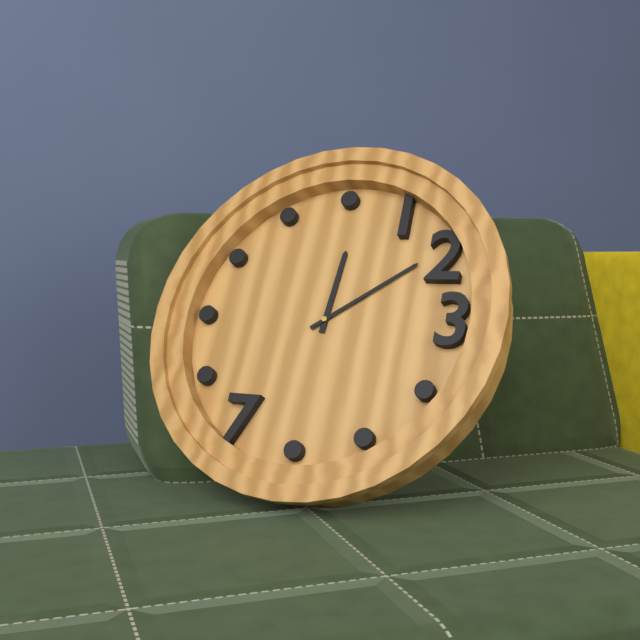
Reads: 12,09
